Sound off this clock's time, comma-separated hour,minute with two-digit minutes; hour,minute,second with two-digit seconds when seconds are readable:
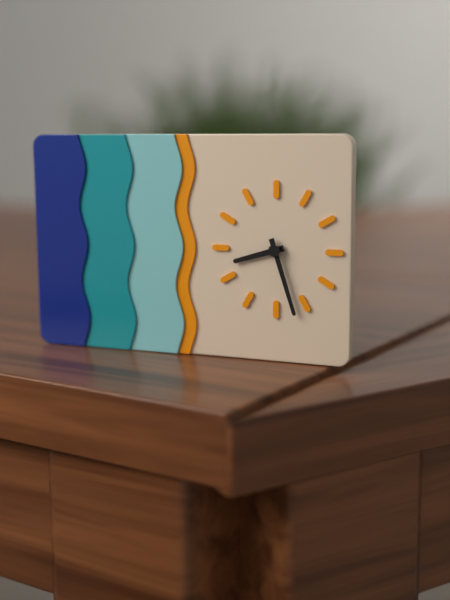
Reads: 8,27
